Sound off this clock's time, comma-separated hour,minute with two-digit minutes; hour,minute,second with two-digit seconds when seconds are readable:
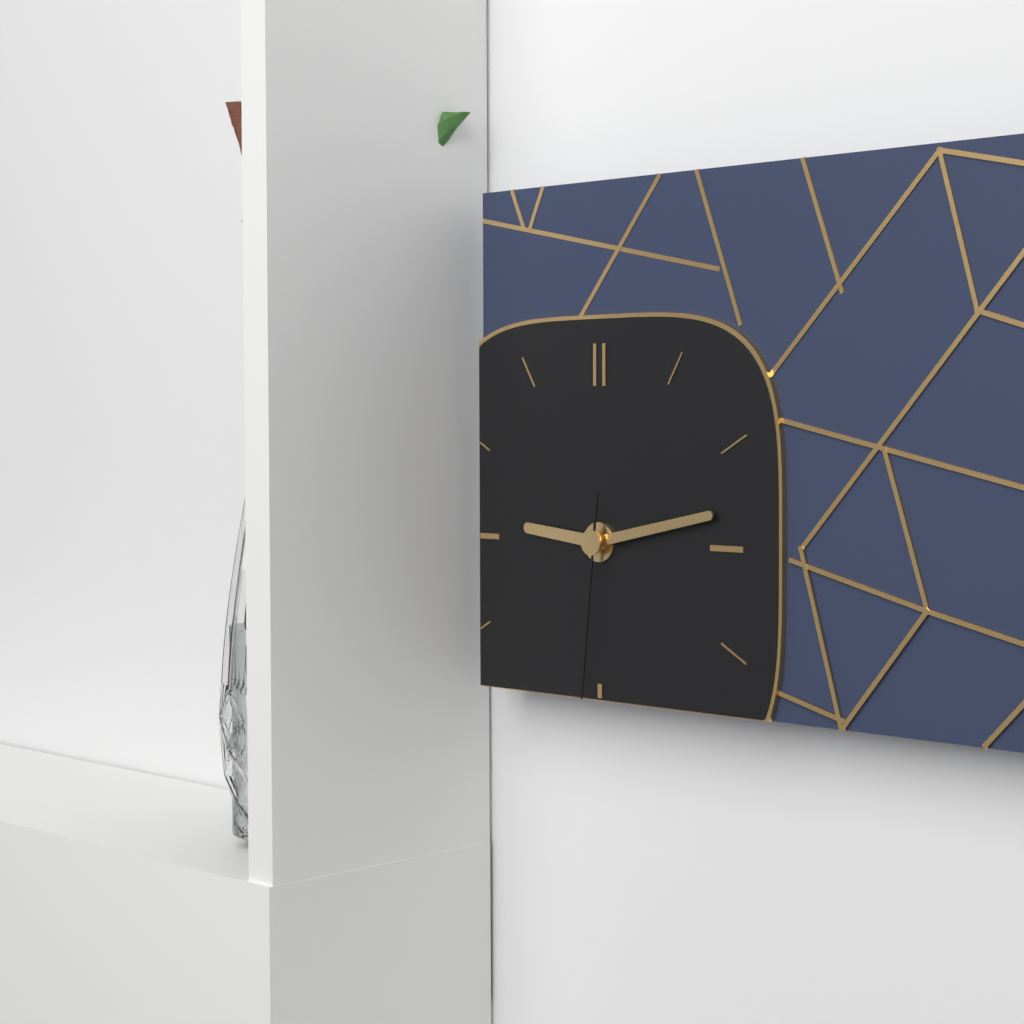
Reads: 9,13,31
